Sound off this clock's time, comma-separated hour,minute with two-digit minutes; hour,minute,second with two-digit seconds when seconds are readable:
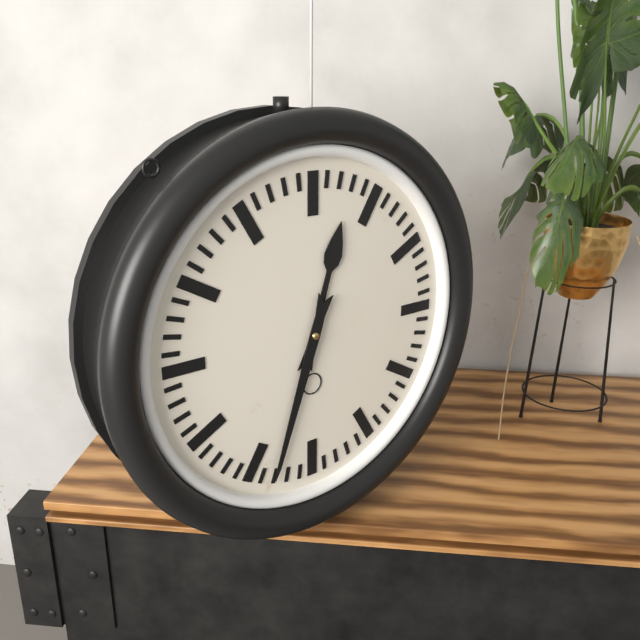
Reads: 12,33
